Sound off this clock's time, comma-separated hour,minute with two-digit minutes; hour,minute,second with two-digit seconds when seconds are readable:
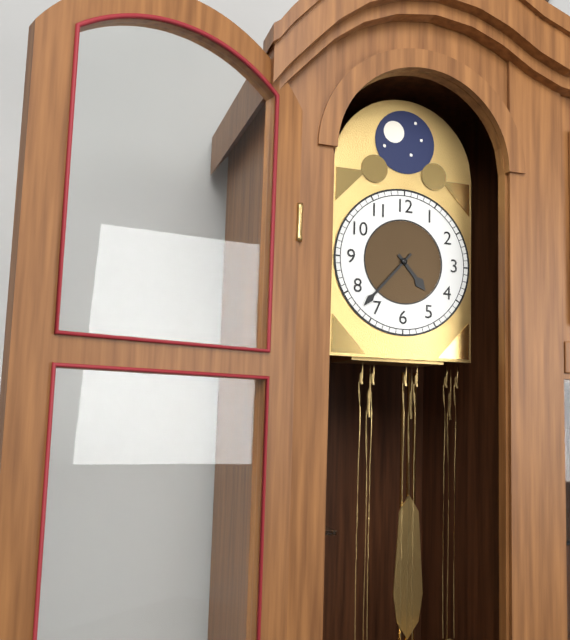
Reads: 4,37
